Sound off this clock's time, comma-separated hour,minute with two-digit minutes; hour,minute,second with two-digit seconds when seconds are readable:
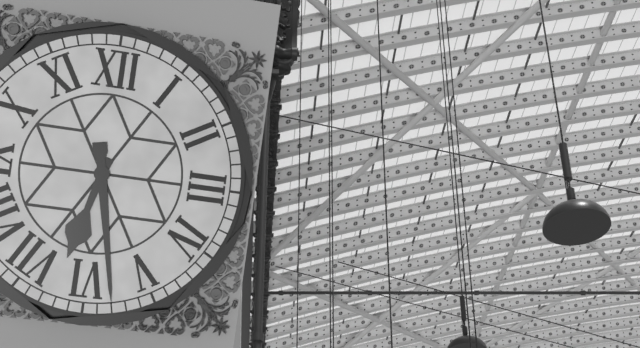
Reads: 6,28
